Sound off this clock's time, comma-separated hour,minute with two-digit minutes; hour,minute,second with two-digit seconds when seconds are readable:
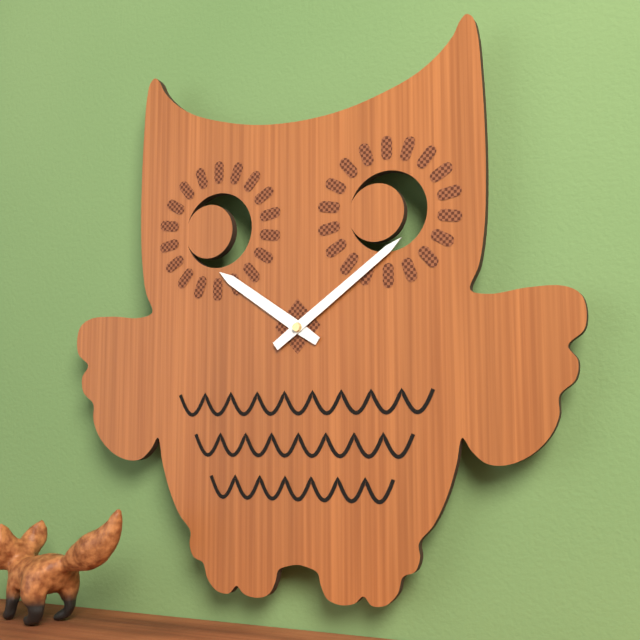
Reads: 10,09
